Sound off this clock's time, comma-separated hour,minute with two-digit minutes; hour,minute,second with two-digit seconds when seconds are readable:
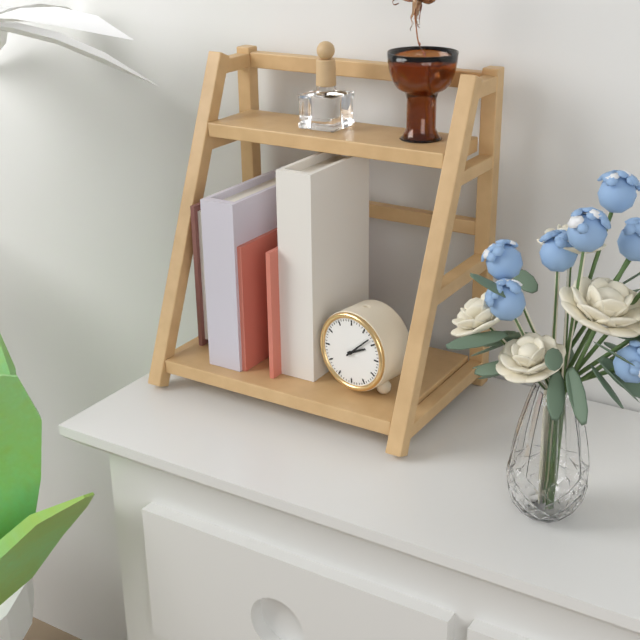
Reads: 2,08
